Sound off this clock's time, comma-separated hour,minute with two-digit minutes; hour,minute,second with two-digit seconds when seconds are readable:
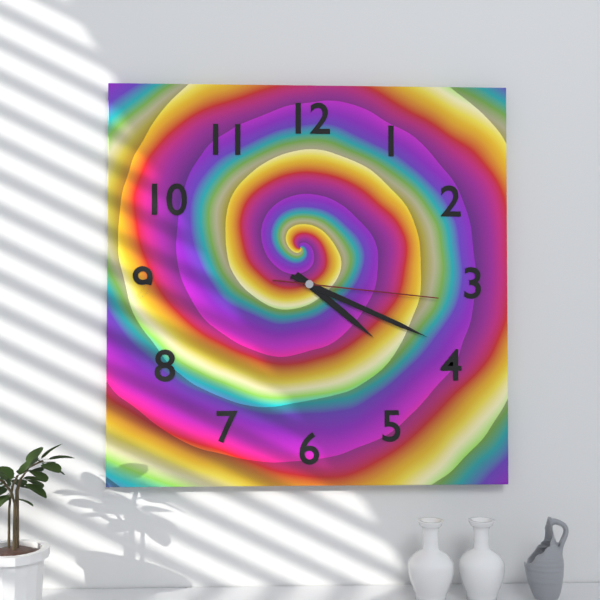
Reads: 4,19,16
